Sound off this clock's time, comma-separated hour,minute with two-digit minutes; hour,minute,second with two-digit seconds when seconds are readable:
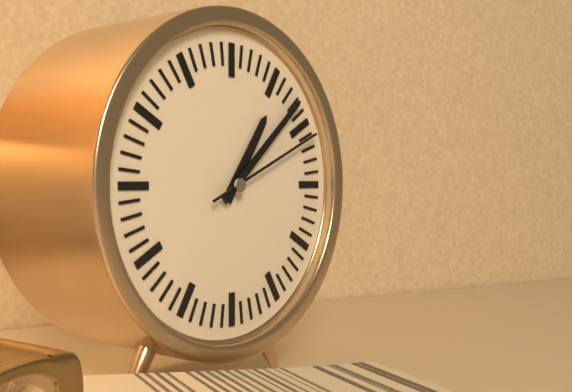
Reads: 1,08,11
